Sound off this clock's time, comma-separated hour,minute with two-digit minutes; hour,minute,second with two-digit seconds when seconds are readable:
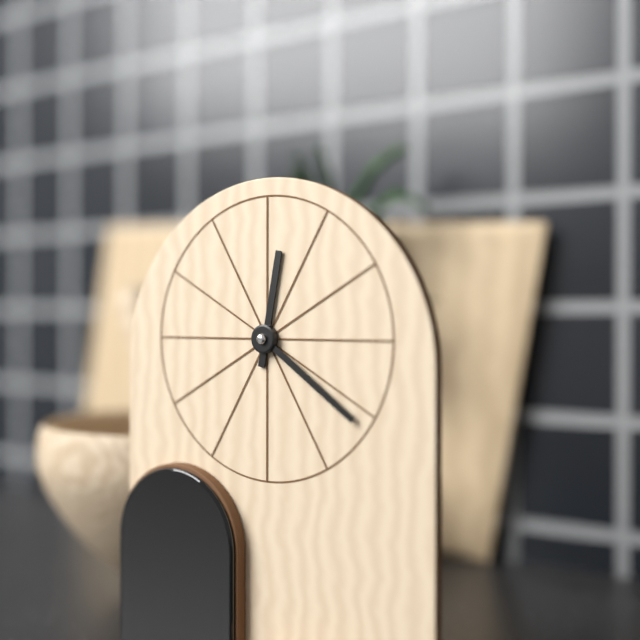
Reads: 12,21
